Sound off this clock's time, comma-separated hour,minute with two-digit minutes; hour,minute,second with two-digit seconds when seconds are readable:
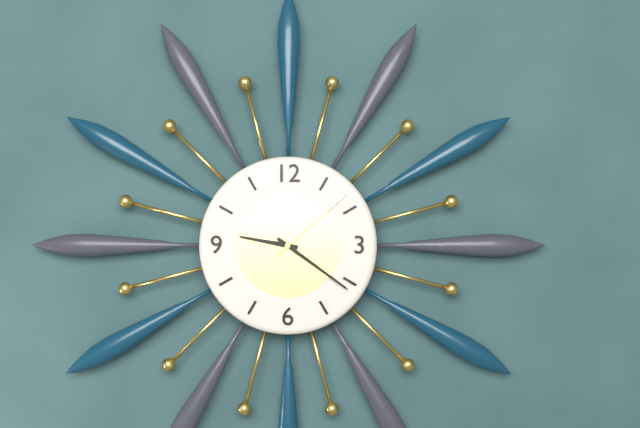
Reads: 9,21,08
